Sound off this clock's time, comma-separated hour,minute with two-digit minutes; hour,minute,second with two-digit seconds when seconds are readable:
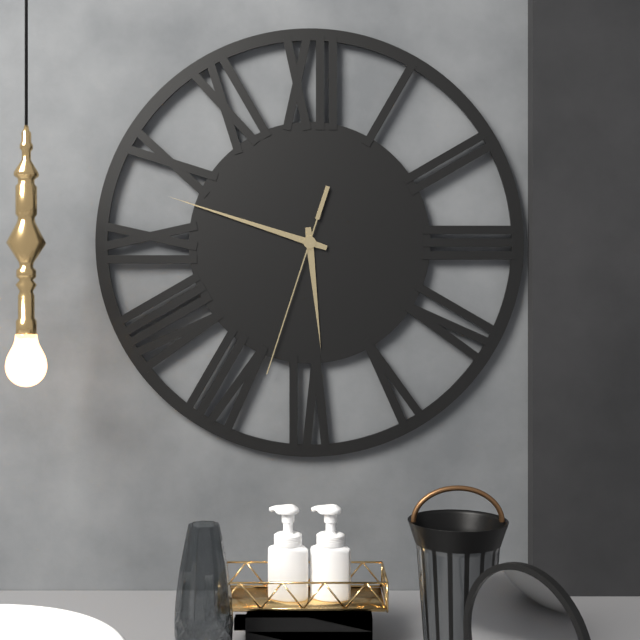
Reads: 5,48,33
